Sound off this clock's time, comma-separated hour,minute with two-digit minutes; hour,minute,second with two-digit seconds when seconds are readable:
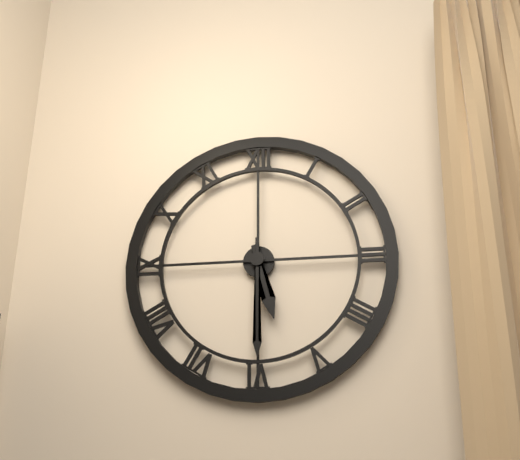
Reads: 5,30
